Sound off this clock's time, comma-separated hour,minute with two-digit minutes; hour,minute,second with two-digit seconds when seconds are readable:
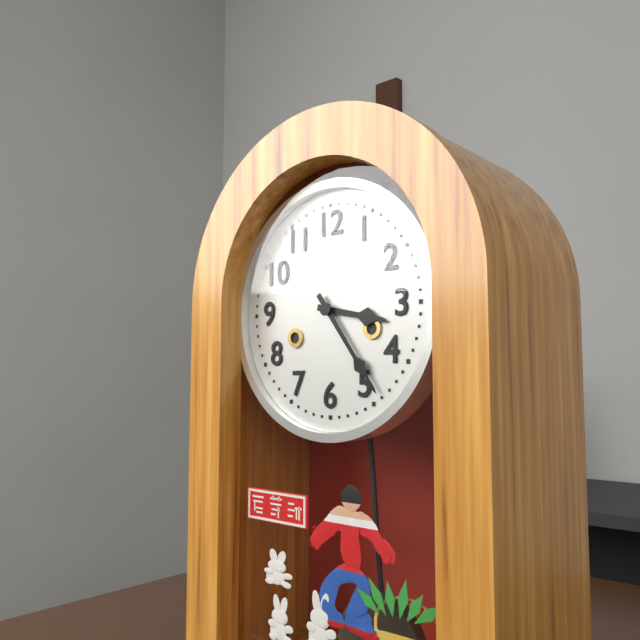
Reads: 3,24
